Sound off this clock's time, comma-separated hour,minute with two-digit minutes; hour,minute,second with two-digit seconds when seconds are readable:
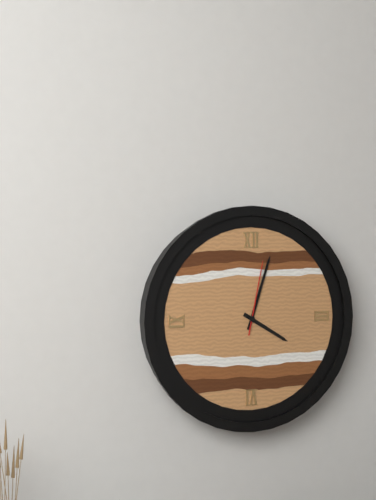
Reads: 4,03,02
